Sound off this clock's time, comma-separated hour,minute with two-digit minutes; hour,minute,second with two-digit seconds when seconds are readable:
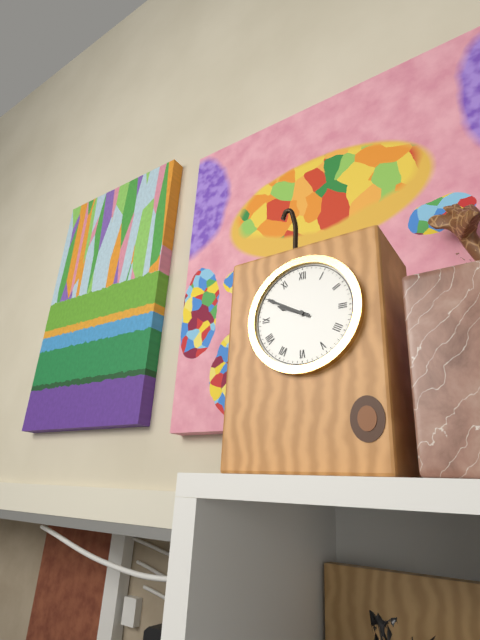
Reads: 9,50
